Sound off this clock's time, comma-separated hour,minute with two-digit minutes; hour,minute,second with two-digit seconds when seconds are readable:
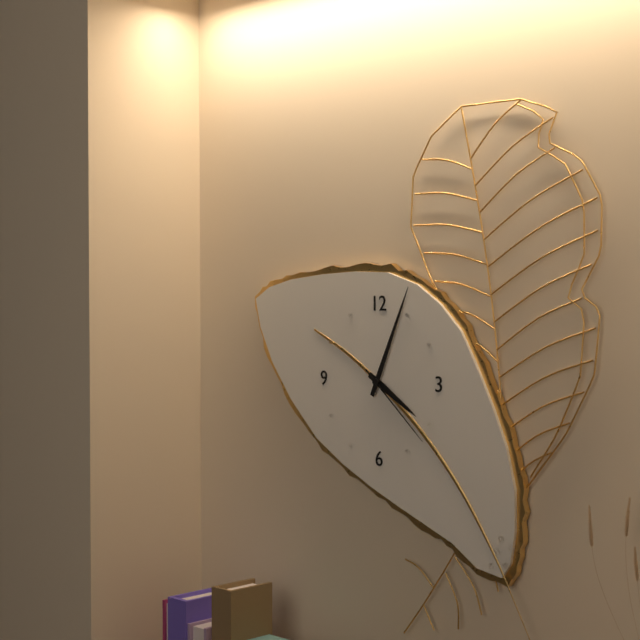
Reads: 4,04,22
